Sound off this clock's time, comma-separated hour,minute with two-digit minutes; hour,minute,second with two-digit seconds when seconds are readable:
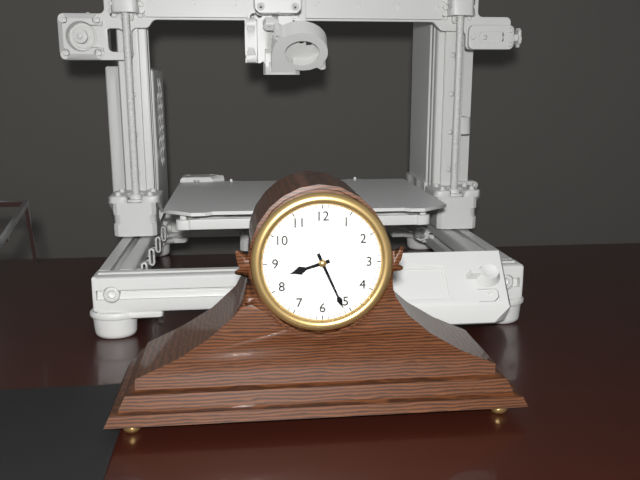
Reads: 8,26
